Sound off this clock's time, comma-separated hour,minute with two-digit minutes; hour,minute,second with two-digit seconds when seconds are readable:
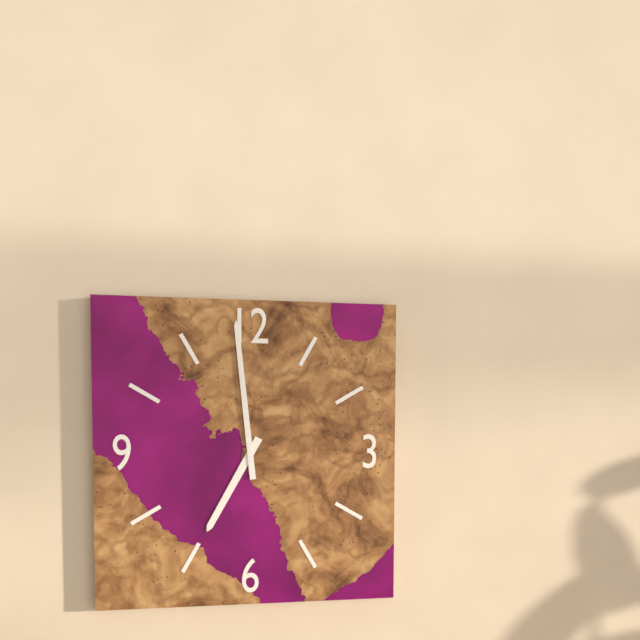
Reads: 6,59
